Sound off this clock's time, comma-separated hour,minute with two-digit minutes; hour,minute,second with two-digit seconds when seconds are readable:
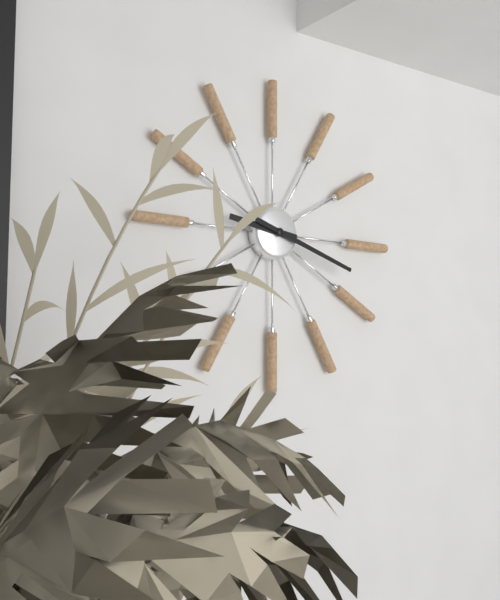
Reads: 9,18
